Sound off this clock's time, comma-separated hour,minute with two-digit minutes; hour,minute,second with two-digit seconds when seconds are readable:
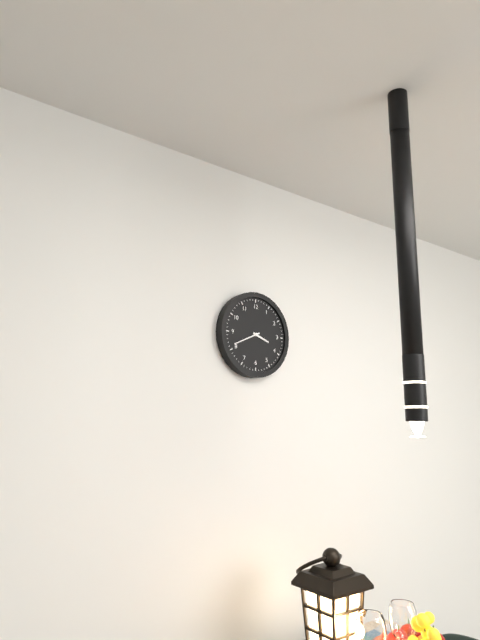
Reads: 3,41
